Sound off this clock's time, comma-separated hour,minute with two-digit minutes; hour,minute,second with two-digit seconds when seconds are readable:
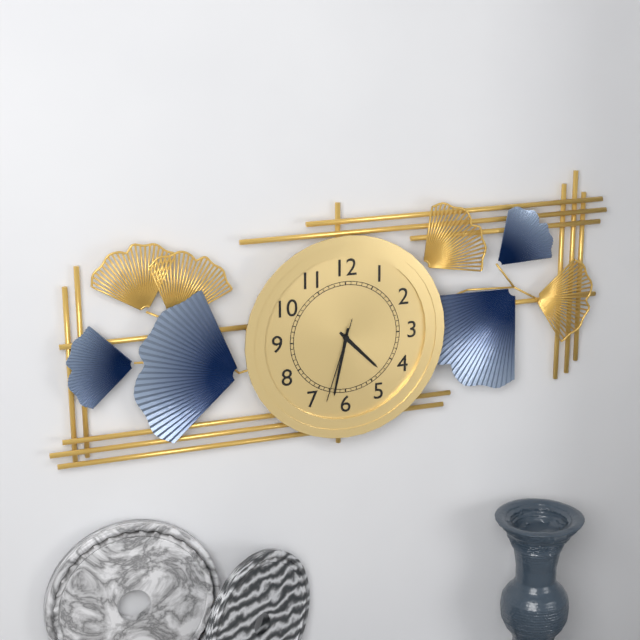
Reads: 4,32,33
